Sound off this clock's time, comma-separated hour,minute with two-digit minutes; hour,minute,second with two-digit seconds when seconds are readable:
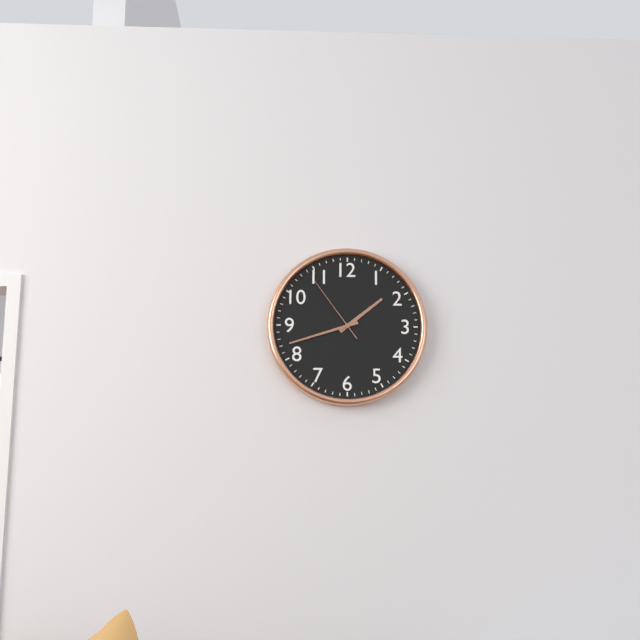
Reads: 1,42,54
